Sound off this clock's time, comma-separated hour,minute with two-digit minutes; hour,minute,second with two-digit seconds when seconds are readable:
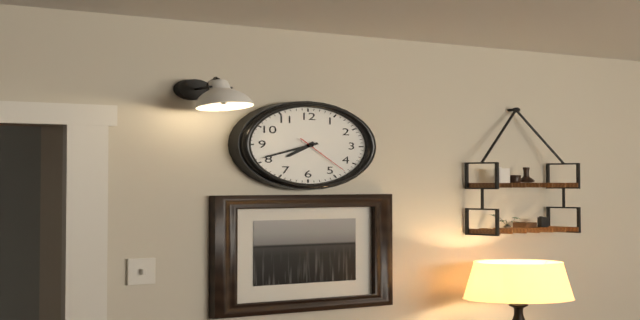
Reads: 7,41,23
